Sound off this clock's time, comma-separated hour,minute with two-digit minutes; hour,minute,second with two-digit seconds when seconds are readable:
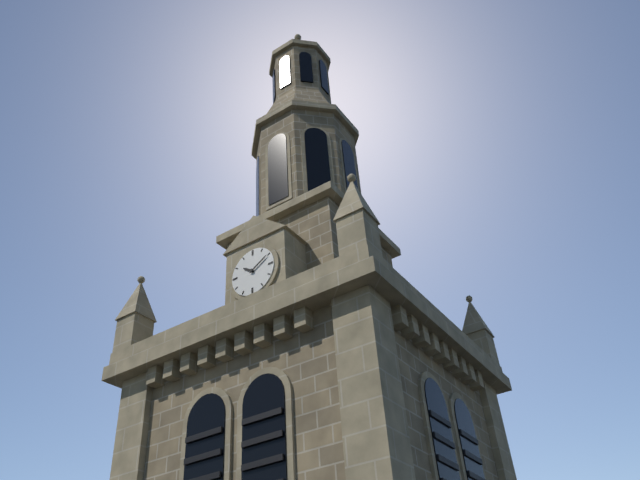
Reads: 10,10
